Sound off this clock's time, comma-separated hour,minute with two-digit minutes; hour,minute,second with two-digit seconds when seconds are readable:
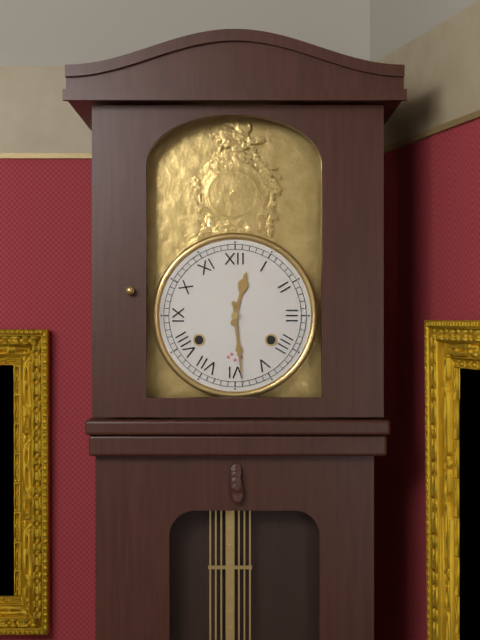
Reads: 12,29
